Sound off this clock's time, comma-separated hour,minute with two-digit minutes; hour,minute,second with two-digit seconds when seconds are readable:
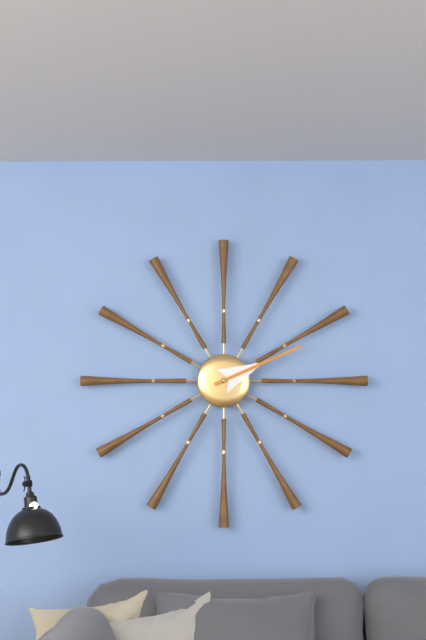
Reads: 2,11
